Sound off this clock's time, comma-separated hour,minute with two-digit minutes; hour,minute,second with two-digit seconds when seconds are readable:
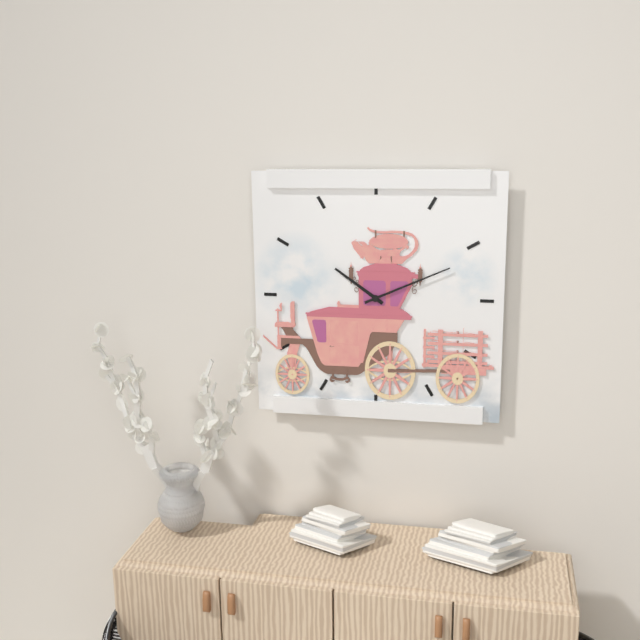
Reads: 10,11
